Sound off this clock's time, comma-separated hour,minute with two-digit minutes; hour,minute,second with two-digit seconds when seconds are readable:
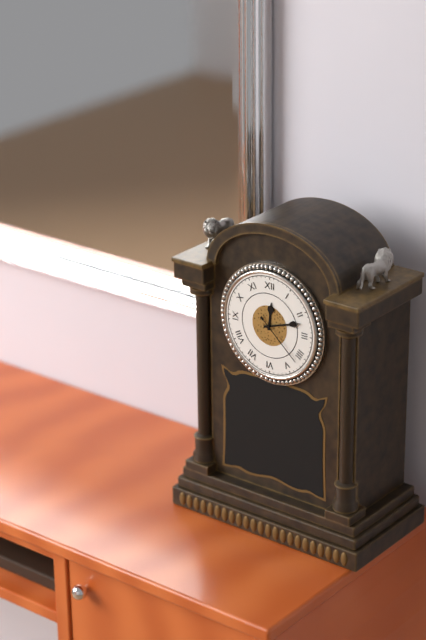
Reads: 12,12,22
